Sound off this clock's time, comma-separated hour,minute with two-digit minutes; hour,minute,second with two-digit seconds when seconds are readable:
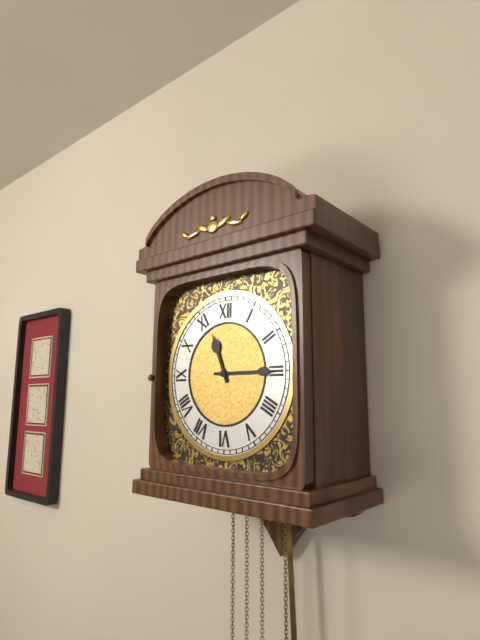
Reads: 11,15
